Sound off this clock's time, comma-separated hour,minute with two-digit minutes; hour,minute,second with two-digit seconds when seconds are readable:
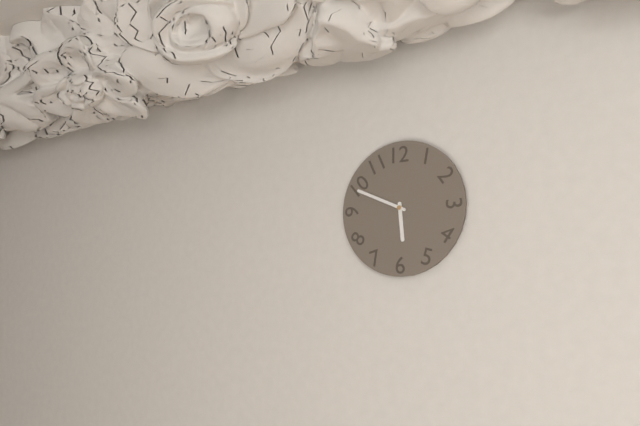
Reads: 5,49
